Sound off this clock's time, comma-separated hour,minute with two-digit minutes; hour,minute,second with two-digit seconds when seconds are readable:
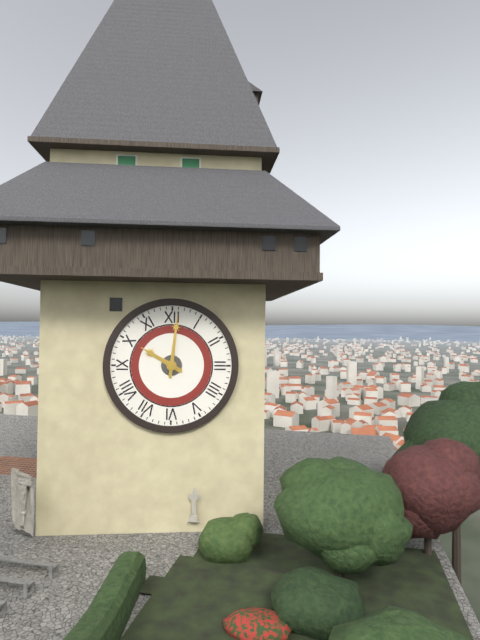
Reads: 10,01
